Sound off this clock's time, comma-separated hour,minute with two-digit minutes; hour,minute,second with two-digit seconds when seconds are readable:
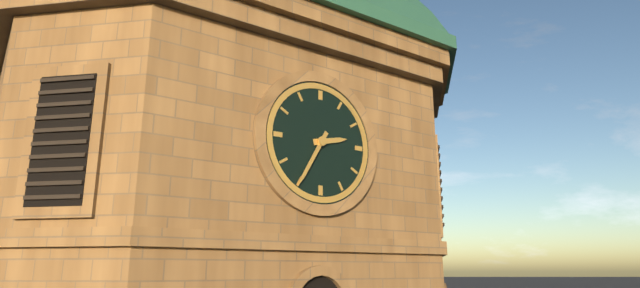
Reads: 2,35
